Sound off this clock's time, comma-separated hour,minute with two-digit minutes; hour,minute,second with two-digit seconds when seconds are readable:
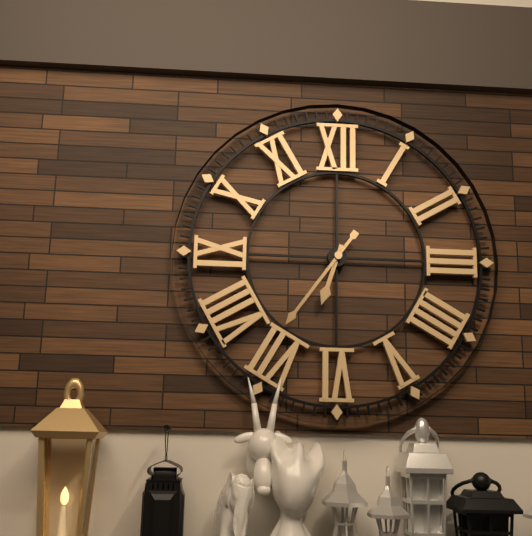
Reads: 6,36
